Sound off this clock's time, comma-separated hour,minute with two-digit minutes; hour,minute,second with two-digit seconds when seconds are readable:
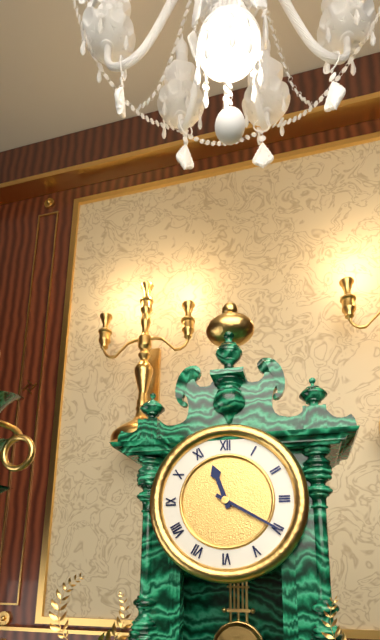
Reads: 11,20
